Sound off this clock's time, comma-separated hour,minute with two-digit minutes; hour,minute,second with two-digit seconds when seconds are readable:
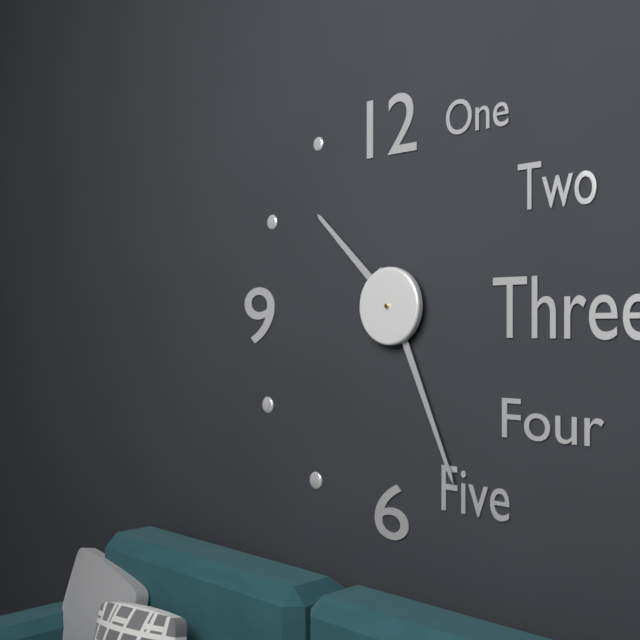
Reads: 10,26
